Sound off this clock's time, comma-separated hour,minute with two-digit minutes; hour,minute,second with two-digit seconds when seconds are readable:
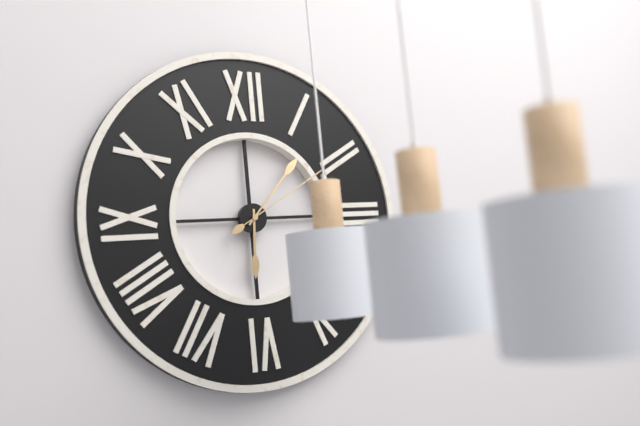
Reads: 6,07,10
